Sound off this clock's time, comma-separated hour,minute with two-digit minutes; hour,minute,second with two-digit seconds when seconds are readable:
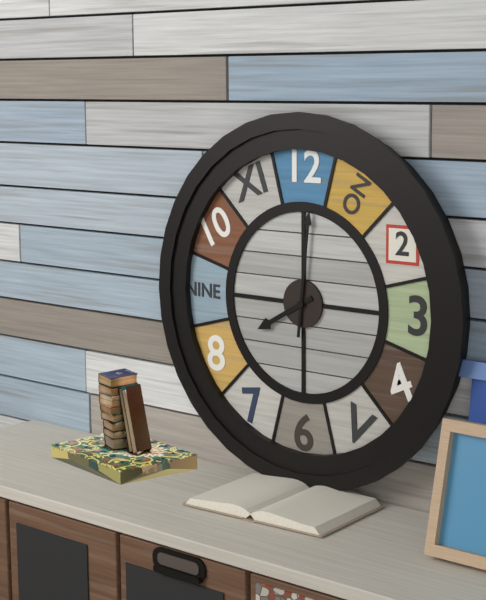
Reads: 8,01
